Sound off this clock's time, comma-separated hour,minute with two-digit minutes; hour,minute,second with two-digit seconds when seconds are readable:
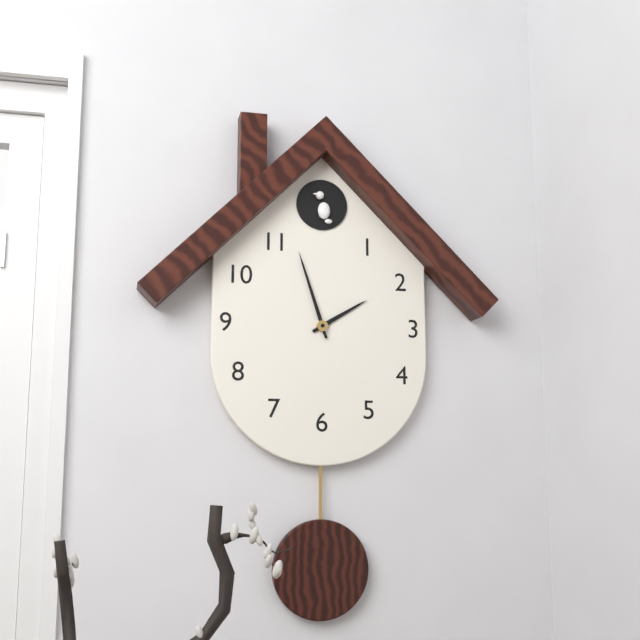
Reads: 1,57
